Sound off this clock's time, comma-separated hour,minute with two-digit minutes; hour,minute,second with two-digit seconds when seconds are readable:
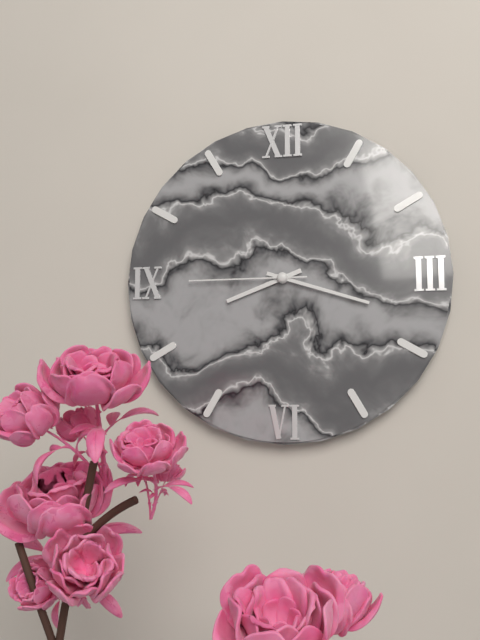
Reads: 8,18,45
